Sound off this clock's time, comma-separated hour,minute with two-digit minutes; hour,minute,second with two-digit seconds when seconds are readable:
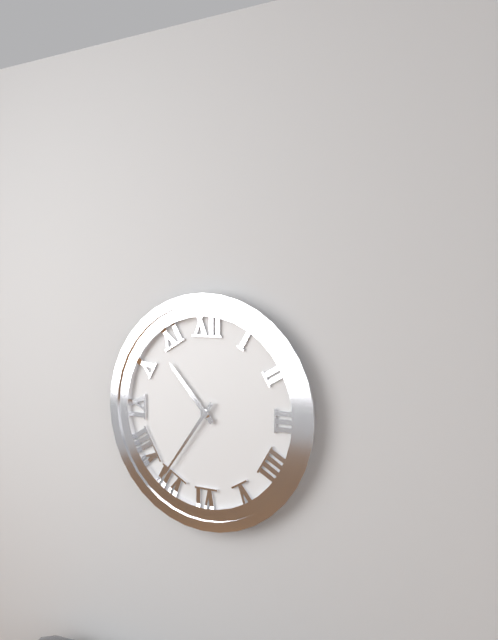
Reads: 10,36
